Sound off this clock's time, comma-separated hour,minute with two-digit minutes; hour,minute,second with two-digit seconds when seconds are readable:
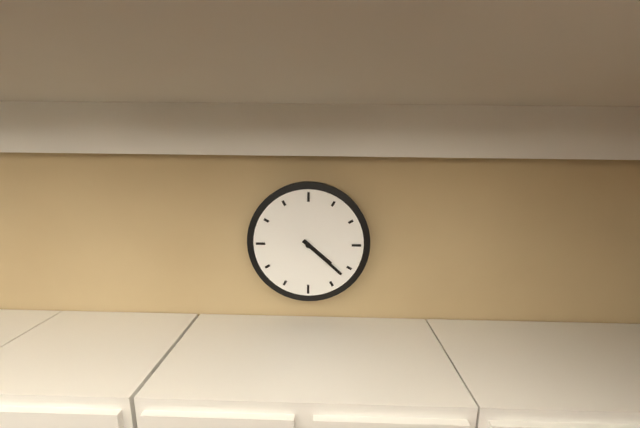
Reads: 4,22
